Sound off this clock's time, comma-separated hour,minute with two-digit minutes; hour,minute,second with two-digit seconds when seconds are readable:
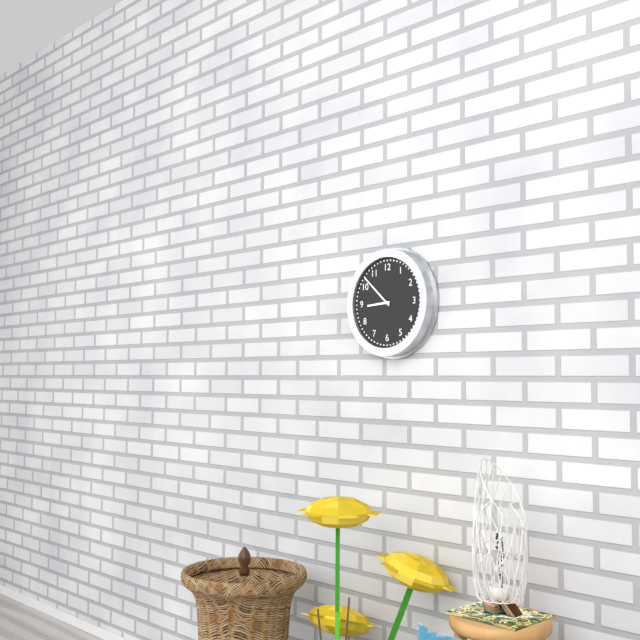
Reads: 8,52
